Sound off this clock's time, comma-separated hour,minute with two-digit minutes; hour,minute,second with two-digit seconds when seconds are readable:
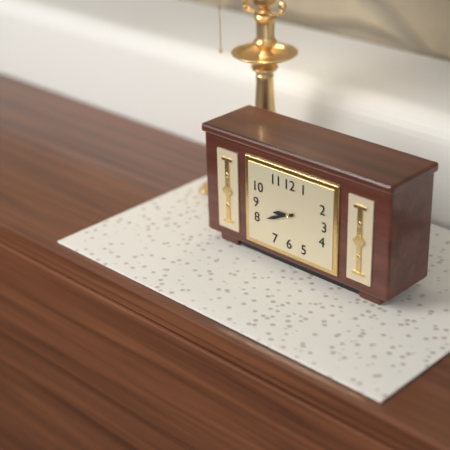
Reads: 8,41
